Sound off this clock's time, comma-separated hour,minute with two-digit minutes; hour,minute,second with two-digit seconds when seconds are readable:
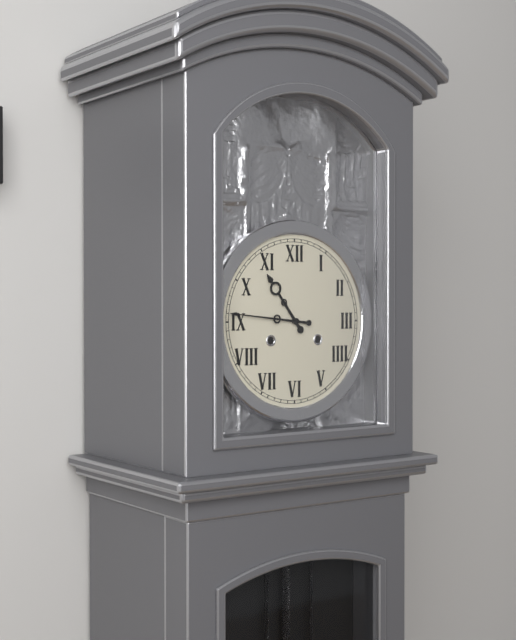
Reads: 10,46
